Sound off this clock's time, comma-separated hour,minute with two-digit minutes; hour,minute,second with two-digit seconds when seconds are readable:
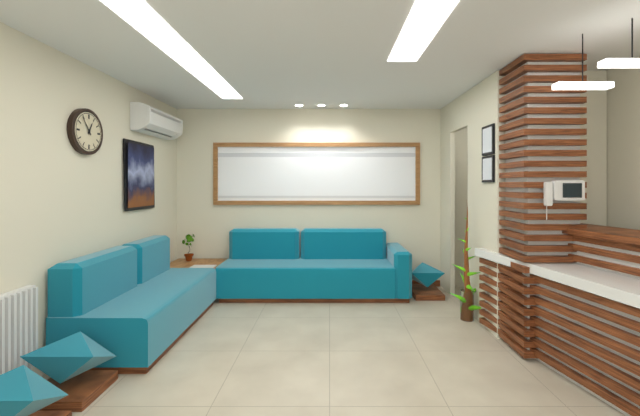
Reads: 12,54
